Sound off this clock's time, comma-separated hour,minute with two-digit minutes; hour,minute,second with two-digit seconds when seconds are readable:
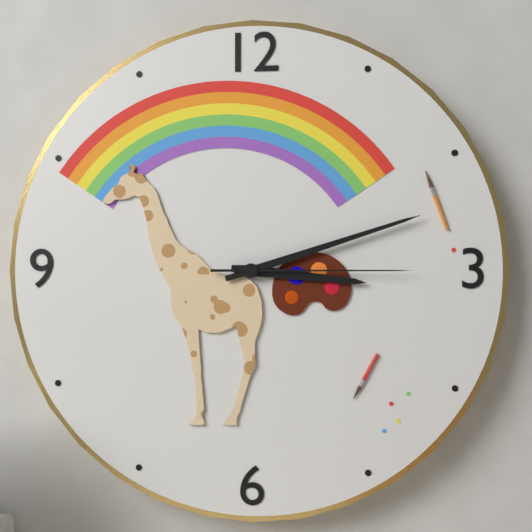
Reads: 3,12,15
